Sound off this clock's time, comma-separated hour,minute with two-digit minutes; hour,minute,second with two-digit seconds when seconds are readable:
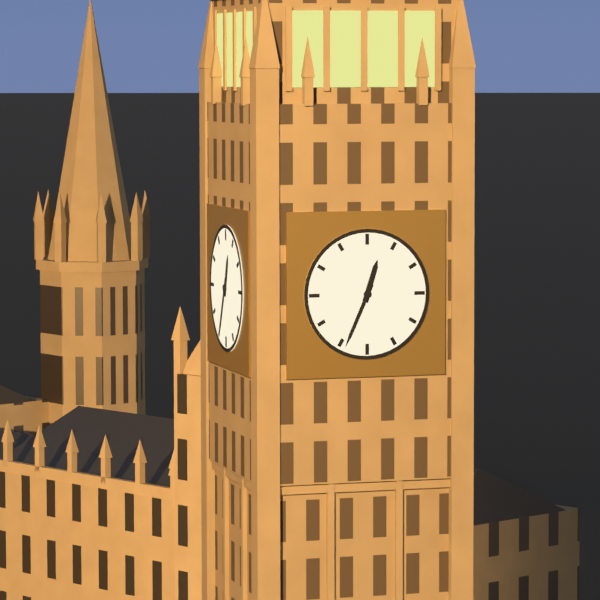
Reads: 12,34
